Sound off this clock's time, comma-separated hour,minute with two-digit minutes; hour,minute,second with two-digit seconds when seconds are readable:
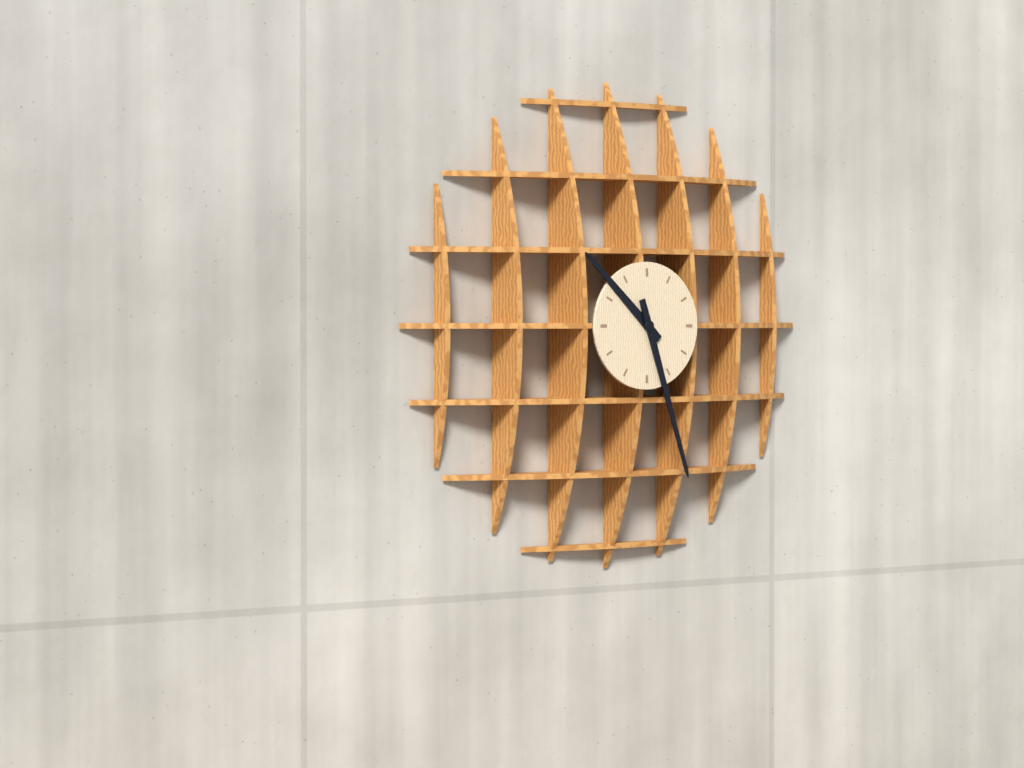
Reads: 10,27
